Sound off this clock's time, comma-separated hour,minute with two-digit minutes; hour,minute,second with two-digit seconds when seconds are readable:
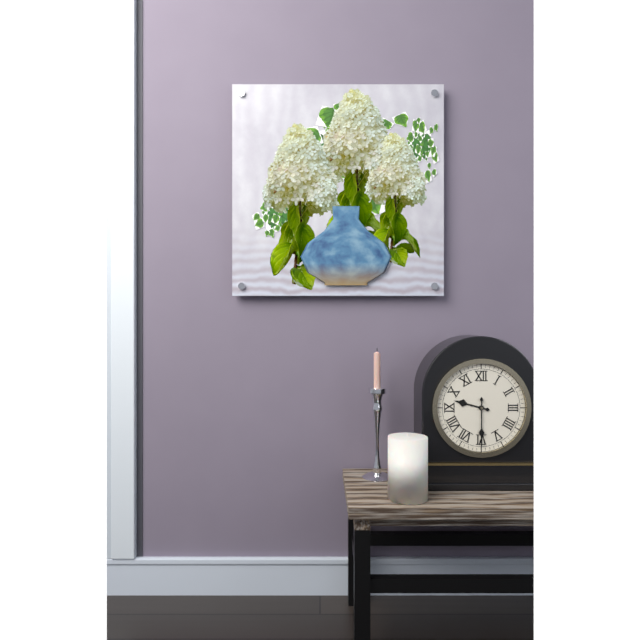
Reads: 9,30
